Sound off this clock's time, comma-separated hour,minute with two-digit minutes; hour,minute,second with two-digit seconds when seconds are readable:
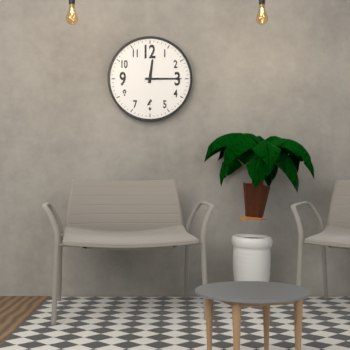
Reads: 12,15
